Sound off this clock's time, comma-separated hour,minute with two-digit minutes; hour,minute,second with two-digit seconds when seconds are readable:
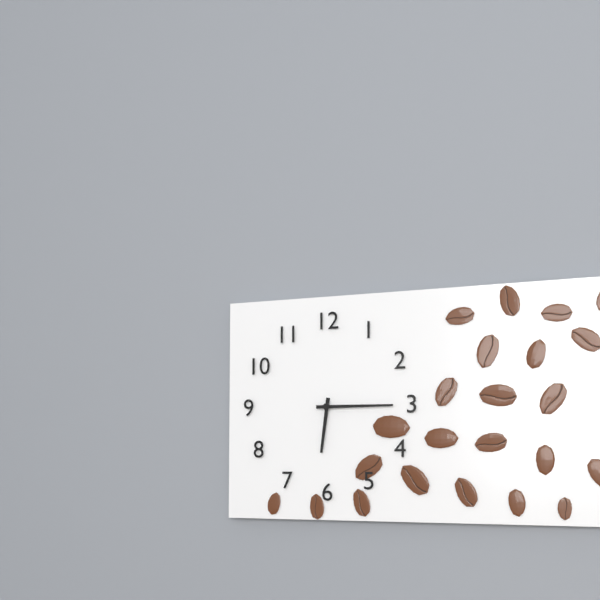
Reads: 6,15
